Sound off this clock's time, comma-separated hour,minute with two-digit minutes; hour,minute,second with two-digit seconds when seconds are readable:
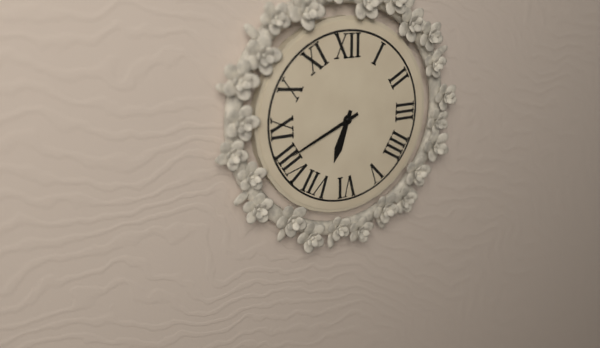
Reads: 6,41
